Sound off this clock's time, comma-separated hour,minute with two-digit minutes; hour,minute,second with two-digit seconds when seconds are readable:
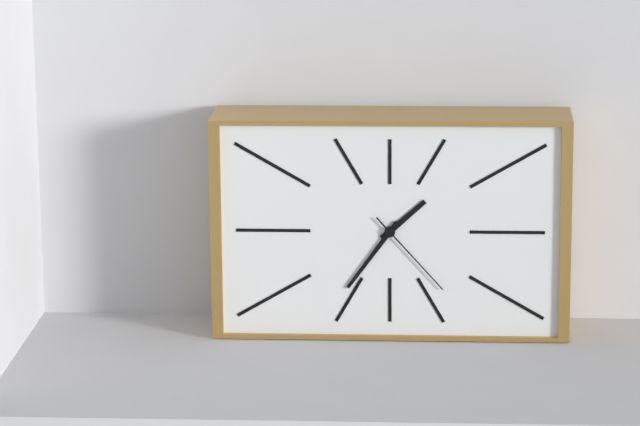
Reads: 1,36,23
